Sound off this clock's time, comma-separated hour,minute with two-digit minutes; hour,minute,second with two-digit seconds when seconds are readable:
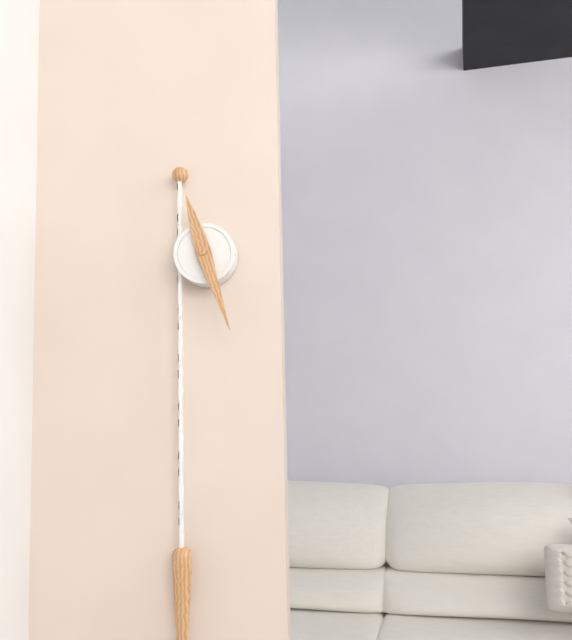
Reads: 11,27
